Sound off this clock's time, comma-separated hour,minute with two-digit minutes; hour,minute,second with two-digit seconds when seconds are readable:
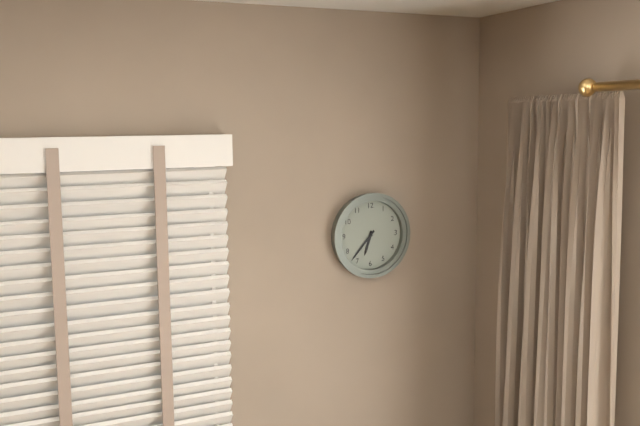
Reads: 6,37
